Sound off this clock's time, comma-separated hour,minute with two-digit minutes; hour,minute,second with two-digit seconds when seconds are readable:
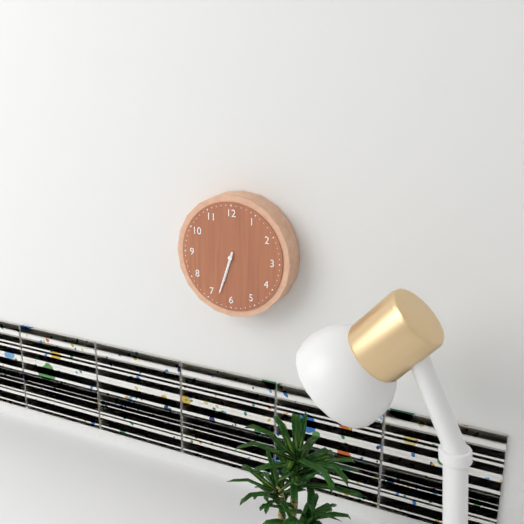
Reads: 6,33
